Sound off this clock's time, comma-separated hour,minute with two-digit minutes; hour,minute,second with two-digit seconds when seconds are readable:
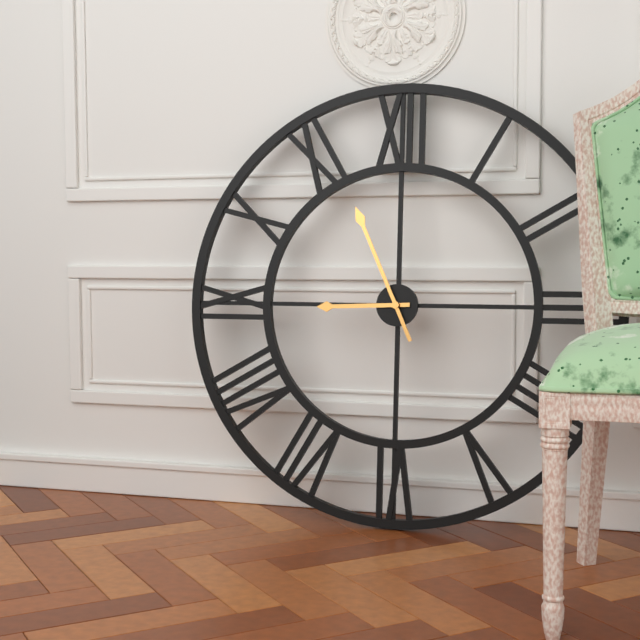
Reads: 8,56
